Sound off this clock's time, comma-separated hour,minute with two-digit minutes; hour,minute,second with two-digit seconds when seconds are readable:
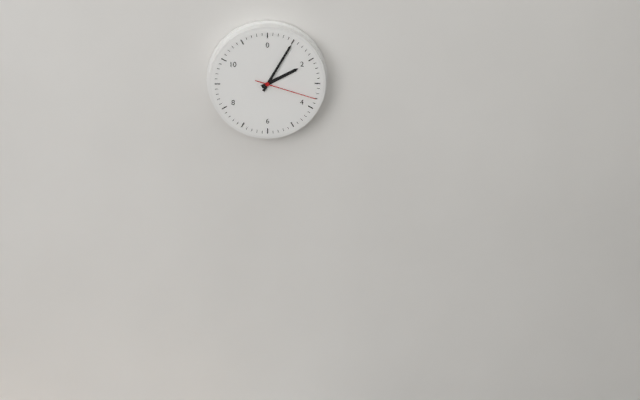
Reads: 2,05,18
